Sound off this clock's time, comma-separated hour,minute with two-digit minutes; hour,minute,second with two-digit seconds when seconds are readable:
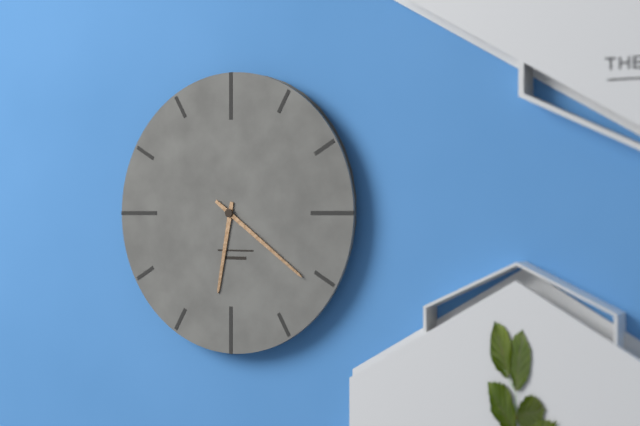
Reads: 6,21
